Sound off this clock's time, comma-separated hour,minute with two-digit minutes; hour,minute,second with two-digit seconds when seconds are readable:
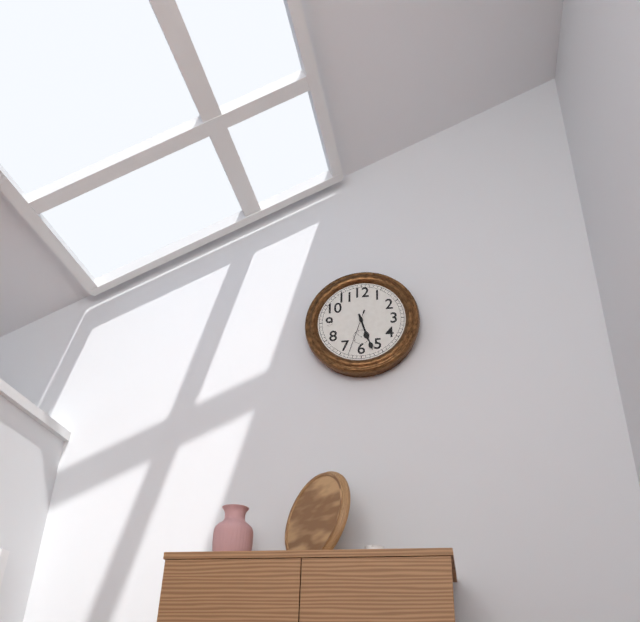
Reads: 5,27
